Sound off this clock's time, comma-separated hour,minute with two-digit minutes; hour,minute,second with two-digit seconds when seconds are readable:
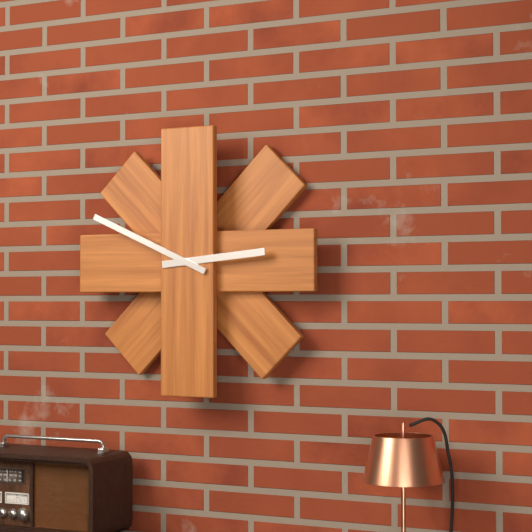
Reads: 2,49
